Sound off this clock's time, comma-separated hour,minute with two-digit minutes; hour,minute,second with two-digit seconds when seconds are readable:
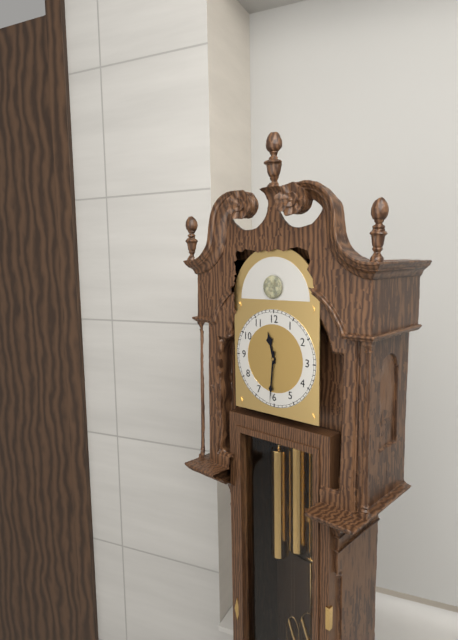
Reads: 11,31
